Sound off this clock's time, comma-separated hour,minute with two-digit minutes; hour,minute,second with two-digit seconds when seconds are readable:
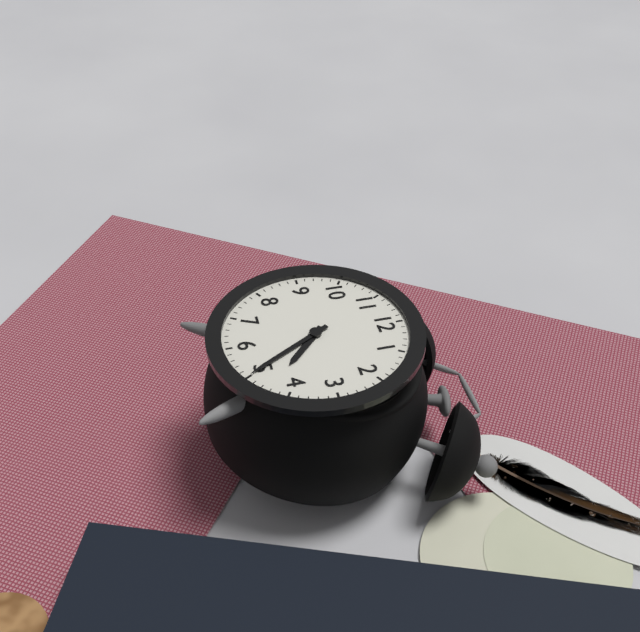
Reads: 4,25
